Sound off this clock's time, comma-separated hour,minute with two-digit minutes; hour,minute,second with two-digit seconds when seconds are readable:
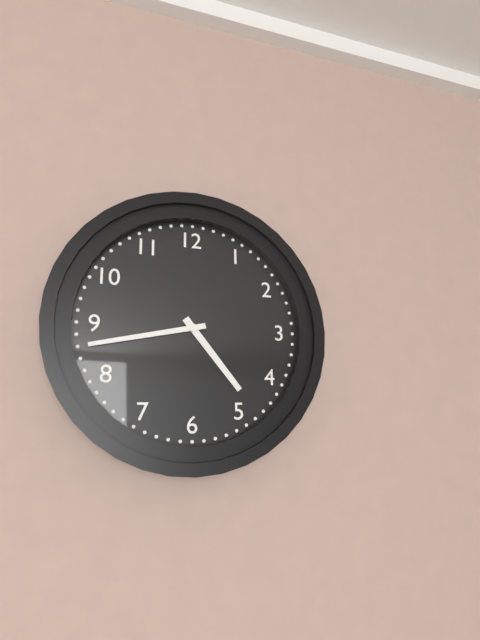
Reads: 4,43
